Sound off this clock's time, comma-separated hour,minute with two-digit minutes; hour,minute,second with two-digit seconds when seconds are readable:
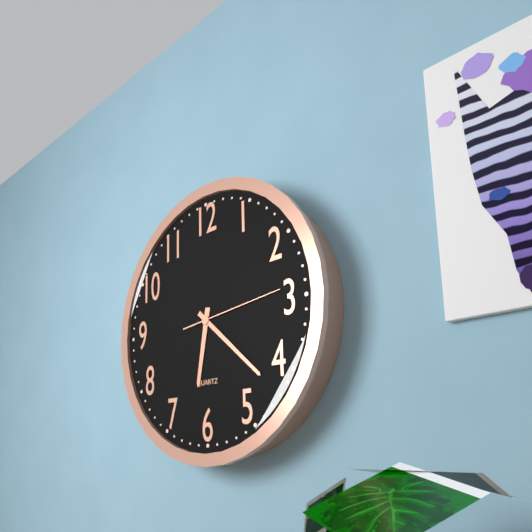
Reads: 6,22,14
